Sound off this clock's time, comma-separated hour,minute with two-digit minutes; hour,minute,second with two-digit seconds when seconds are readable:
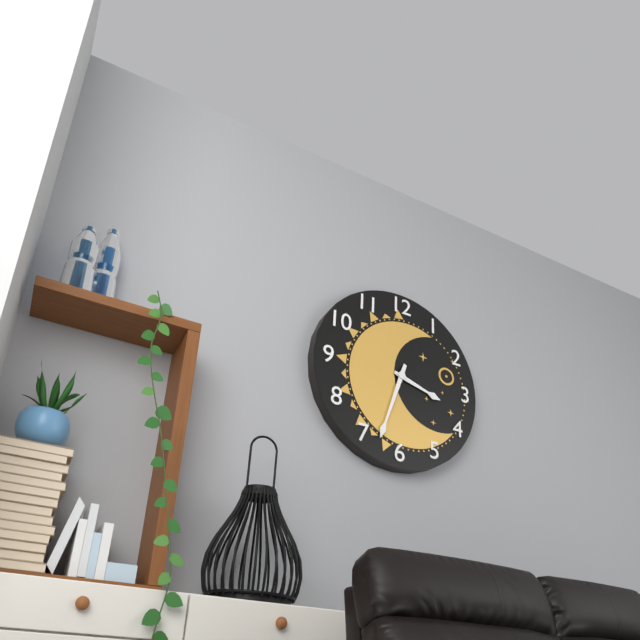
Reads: 3,33
